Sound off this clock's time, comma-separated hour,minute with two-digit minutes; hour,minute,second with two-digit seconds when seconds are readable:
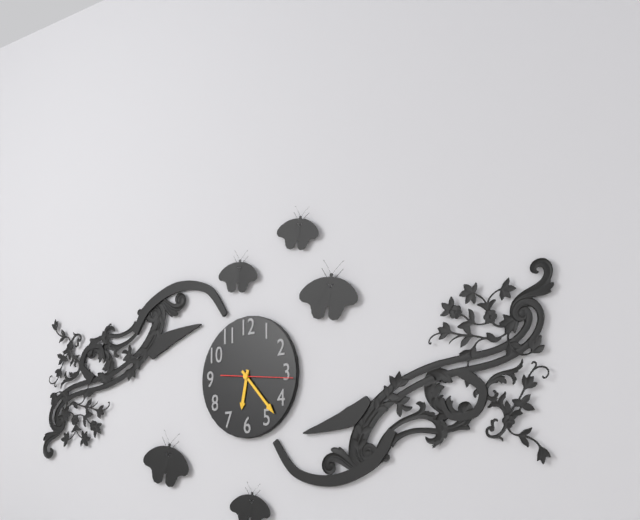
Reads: 6,23,16
